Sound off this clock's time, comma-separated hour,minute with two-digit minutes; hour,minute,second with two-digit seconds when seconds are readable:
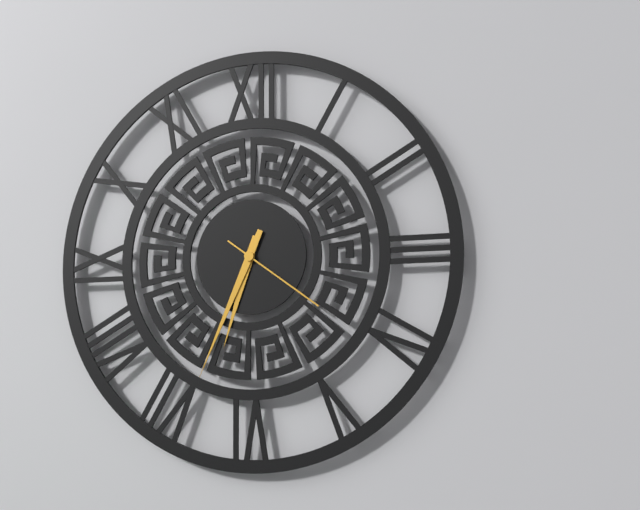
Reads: 6,34,21
